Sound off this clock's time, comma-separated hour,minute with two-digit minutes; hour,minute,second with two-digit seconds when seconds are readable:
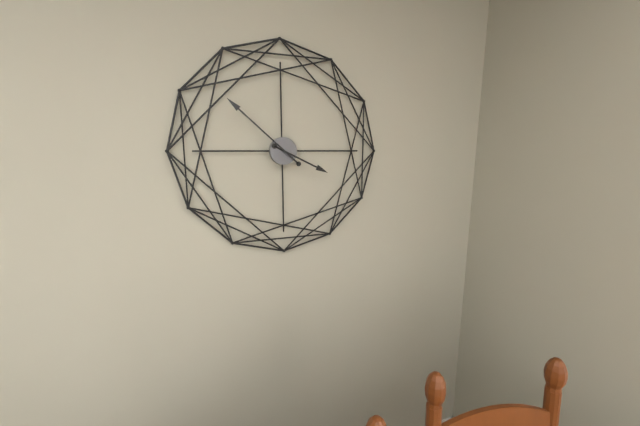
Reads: 3,52
